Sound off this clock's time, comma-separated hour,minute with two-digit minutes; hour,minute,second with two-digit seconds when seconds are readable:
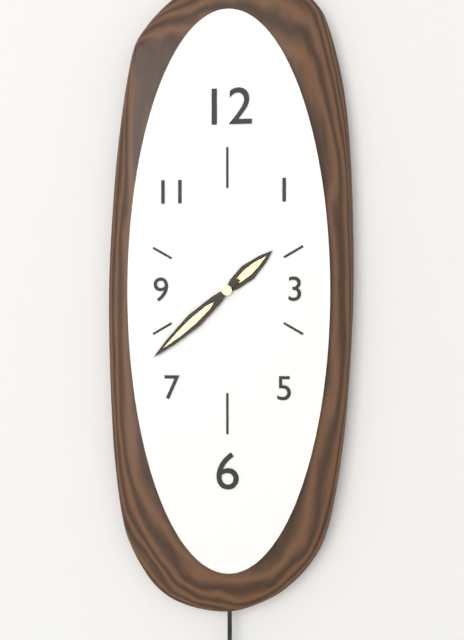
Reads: 1,38
